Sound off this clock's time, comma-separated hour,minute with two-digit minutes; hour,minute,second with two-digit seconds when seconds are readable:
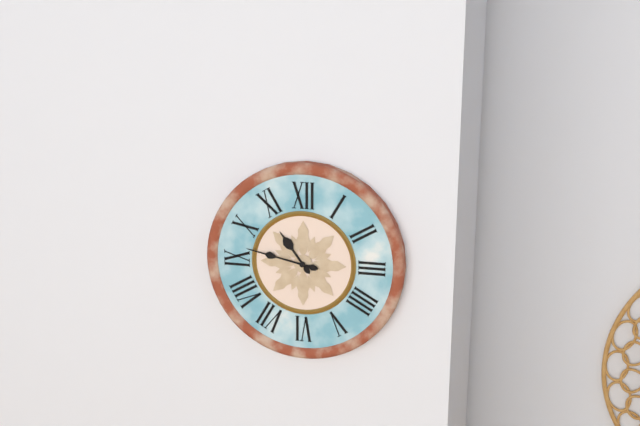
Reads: 10,47
